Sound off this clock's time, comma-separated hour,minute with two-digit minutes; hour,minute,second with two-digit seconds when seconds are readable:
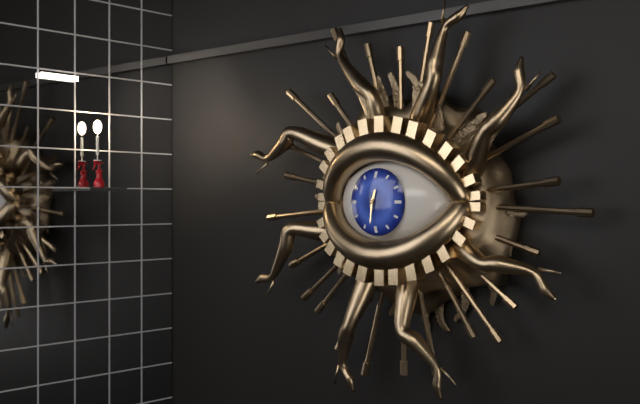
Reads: 12,31
